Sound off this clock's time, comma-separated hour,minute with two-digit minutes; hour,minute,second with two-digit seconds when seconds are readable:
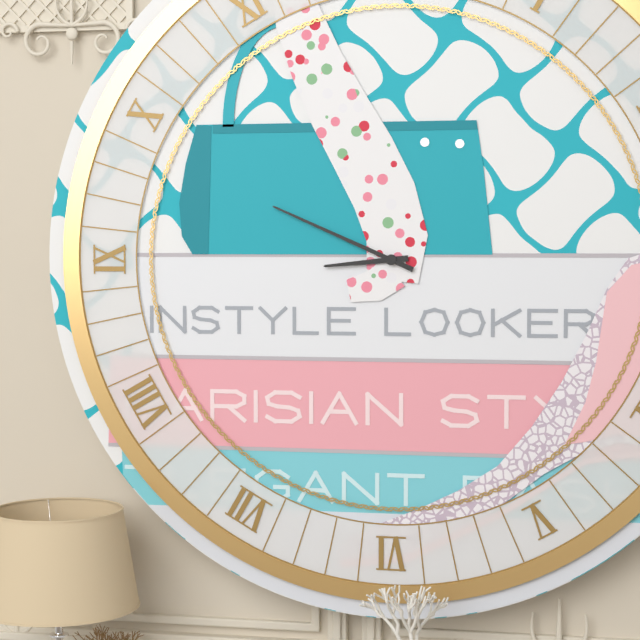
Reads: 8,49
